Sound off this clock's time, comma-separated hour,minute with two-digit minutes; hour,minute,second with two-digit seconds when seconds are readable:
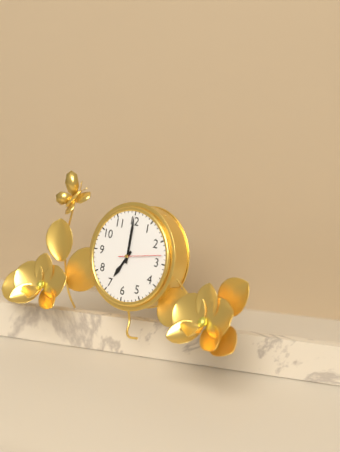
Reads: 7,00
